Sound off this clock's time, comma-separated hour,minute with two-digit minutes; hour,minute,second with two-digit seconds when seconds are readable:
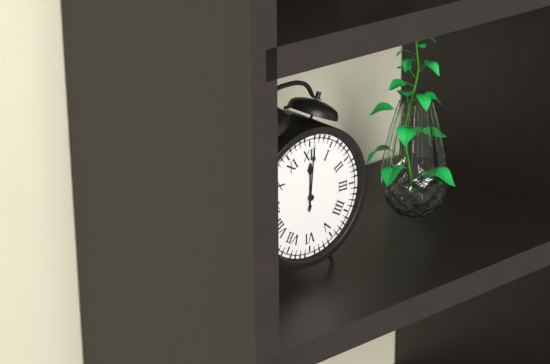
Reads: 12,01
